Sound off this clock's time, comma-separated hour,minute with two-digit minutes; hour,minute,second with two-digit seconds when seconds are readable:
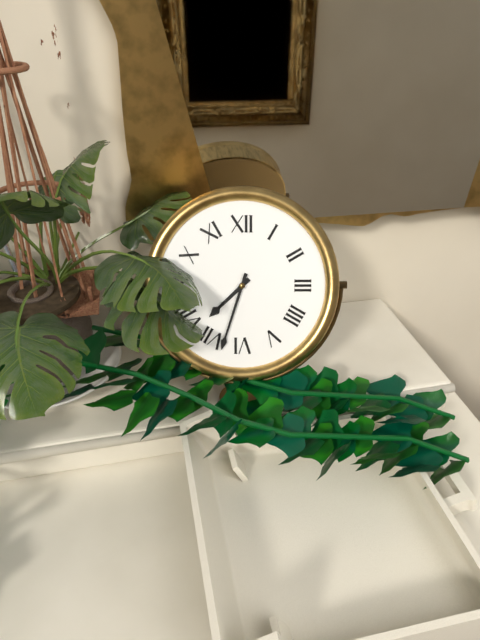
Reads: 7,33
